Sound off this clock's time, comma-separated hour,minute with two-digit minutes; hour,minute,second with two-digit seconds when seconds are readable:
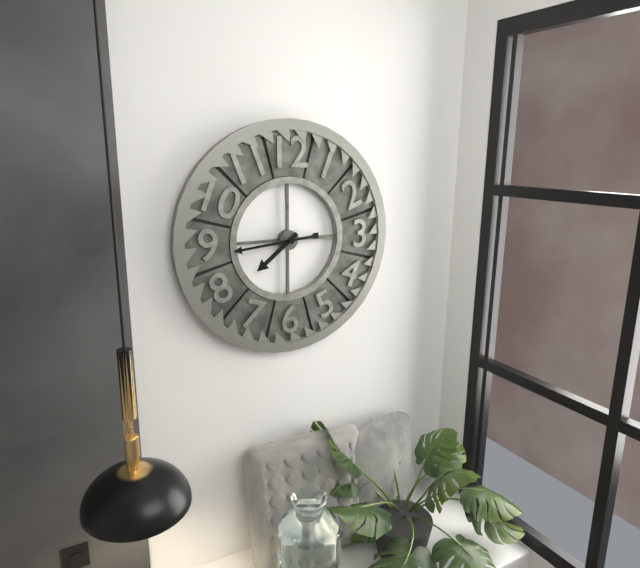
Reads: 7,44
